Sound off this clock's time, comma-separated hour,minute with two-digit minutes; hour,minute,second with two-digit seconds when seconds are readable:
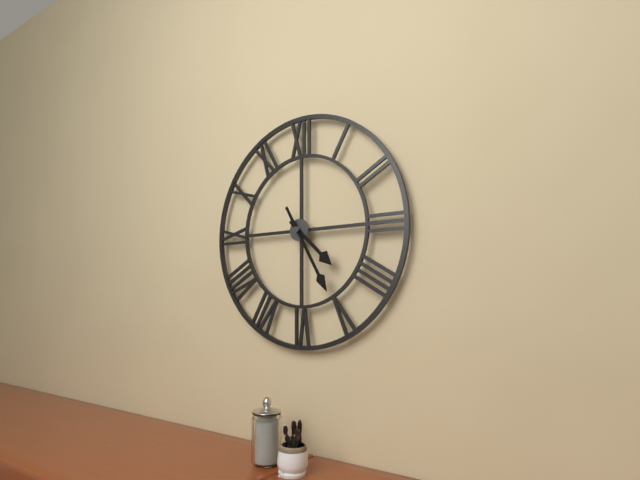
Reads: 4,25
